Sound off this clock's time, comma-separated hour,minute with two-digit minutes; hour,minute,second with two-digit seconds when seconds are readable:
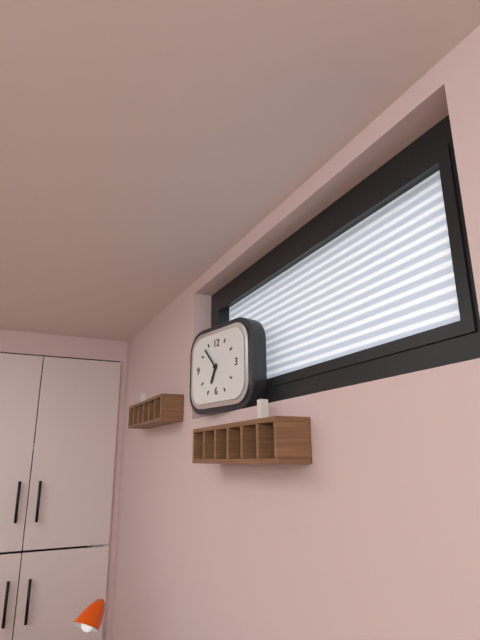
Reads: 6,53
